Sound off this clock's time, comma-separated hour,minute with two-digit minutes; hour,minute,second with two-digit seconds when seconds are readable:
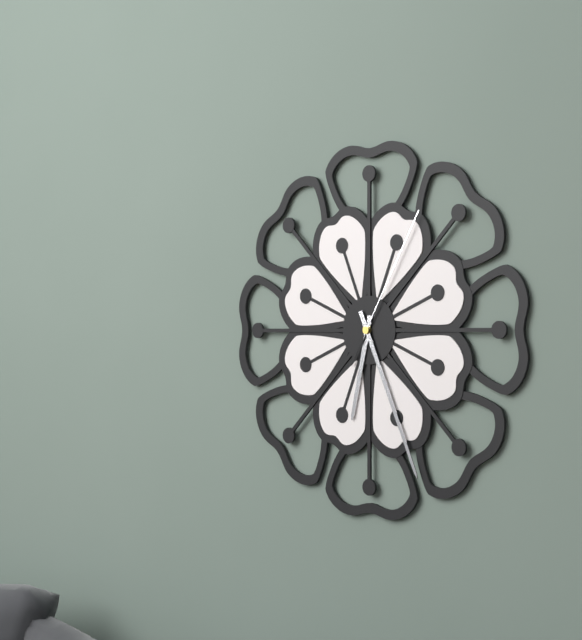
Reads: 6,26,05
